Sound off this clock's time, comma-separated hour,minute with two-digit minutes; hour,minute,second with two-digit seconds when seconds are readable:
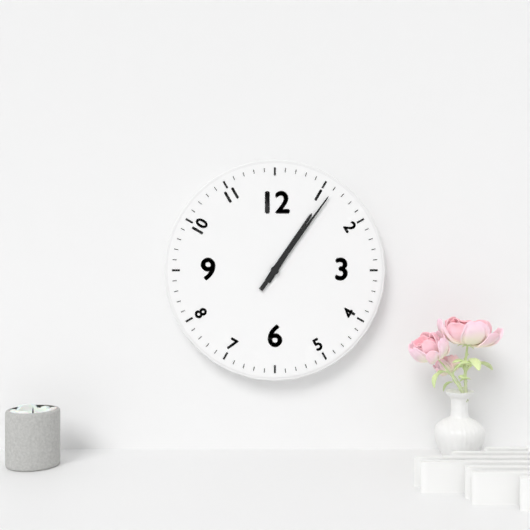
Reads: 1,06
